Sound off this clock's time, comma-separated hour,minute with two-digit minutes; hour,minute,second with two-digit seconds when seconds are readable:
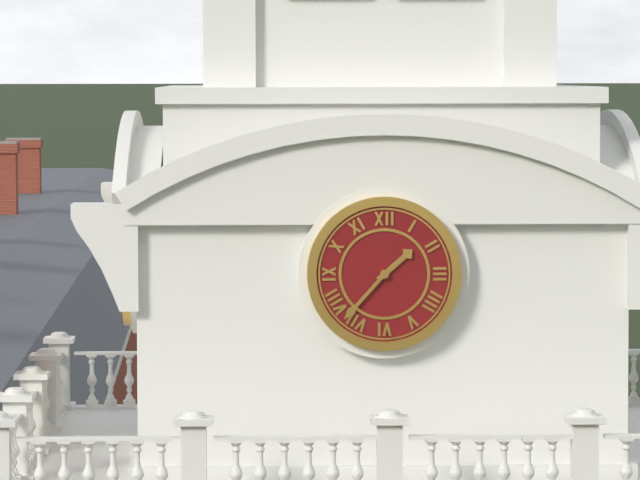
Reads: 1,37
